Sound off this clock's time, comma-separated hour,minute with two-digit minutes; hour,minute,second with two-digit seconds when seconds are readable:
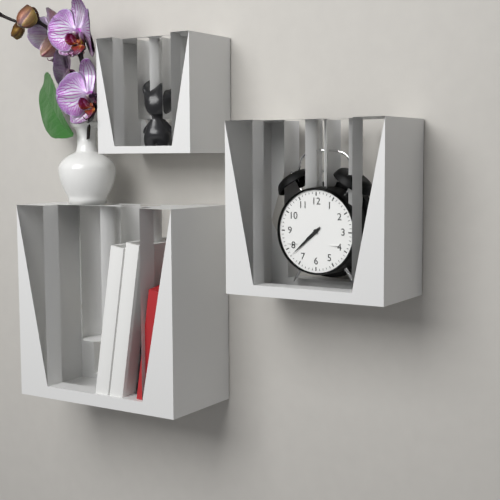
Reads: 7,38
